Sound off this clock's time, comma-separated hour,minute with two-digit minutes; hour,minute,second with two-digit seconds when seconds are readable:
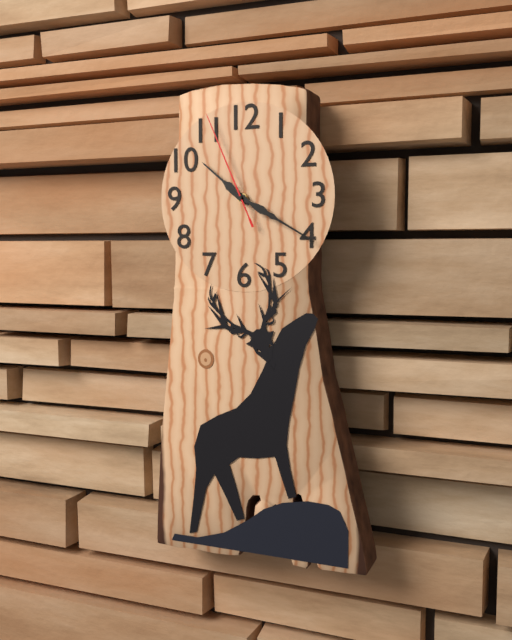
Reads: 10,20,56
